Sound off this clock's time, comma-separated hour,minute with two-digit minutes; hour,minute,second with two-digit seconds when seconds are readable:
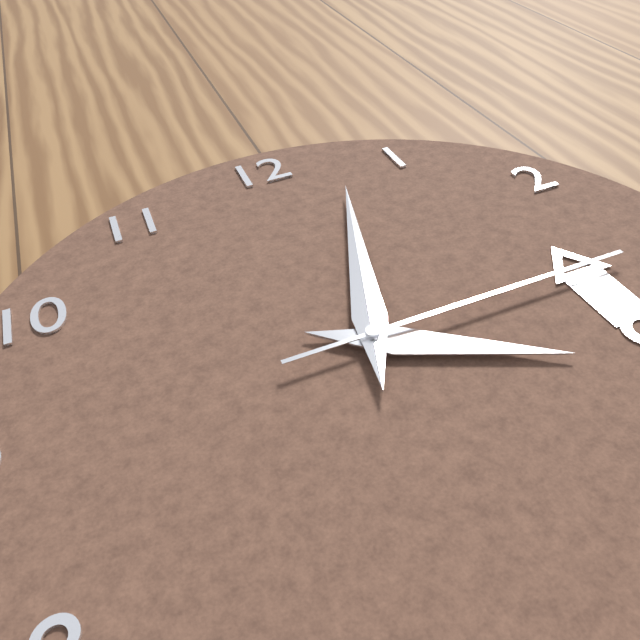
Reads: 4,03,15
